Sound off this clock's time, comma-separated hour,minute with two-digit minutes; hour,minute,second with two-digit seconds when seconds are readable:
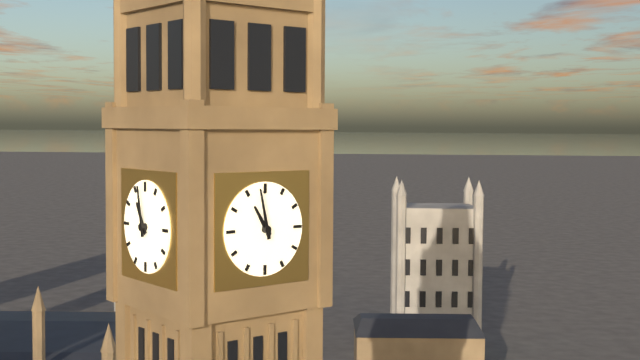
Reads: 10,58
